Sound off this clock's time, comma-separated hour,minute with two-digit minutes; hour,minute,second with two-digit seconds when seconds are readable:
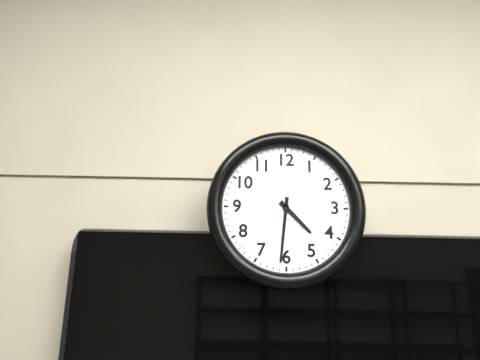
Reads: 4,31
